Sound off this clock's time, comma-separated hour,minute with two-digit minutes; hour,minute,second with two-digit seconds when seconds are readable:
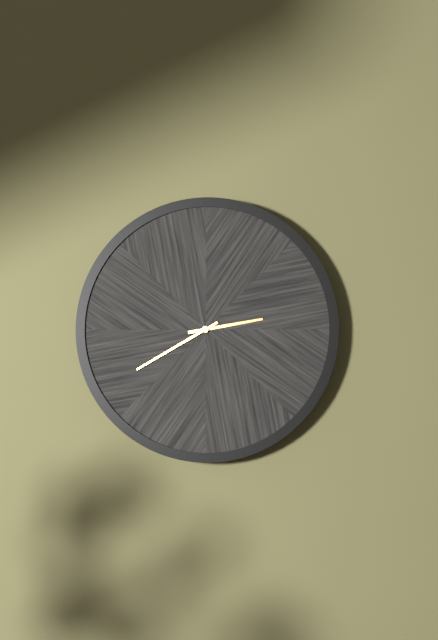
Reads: 2,40
